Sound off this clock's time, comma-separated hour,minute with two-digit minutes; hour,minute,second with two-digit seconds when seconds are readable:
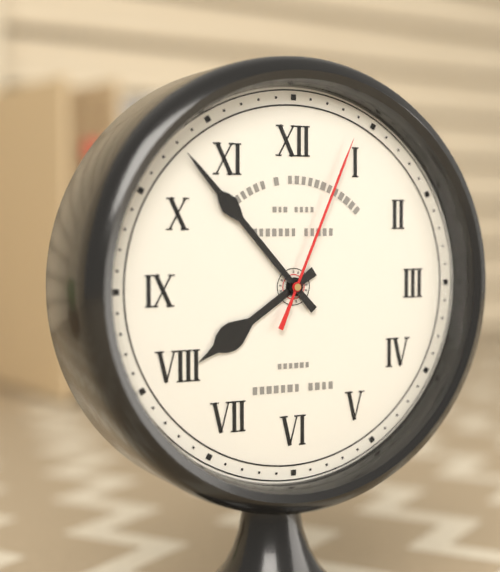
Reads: 7,53,04
